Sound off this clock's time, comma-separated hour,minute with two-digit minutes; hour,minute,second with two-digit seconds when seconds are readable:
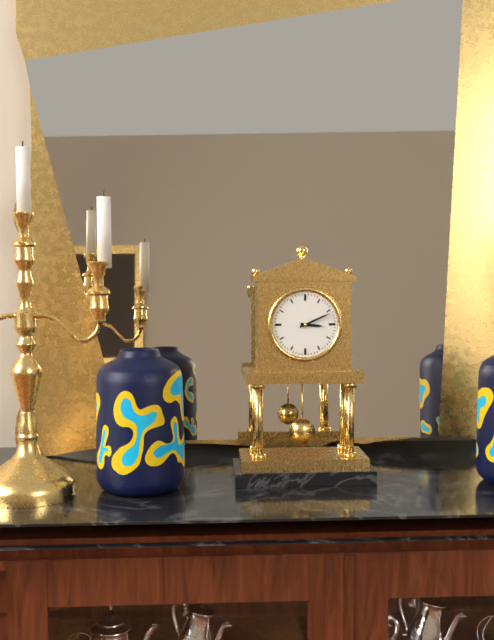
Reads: 3,11
